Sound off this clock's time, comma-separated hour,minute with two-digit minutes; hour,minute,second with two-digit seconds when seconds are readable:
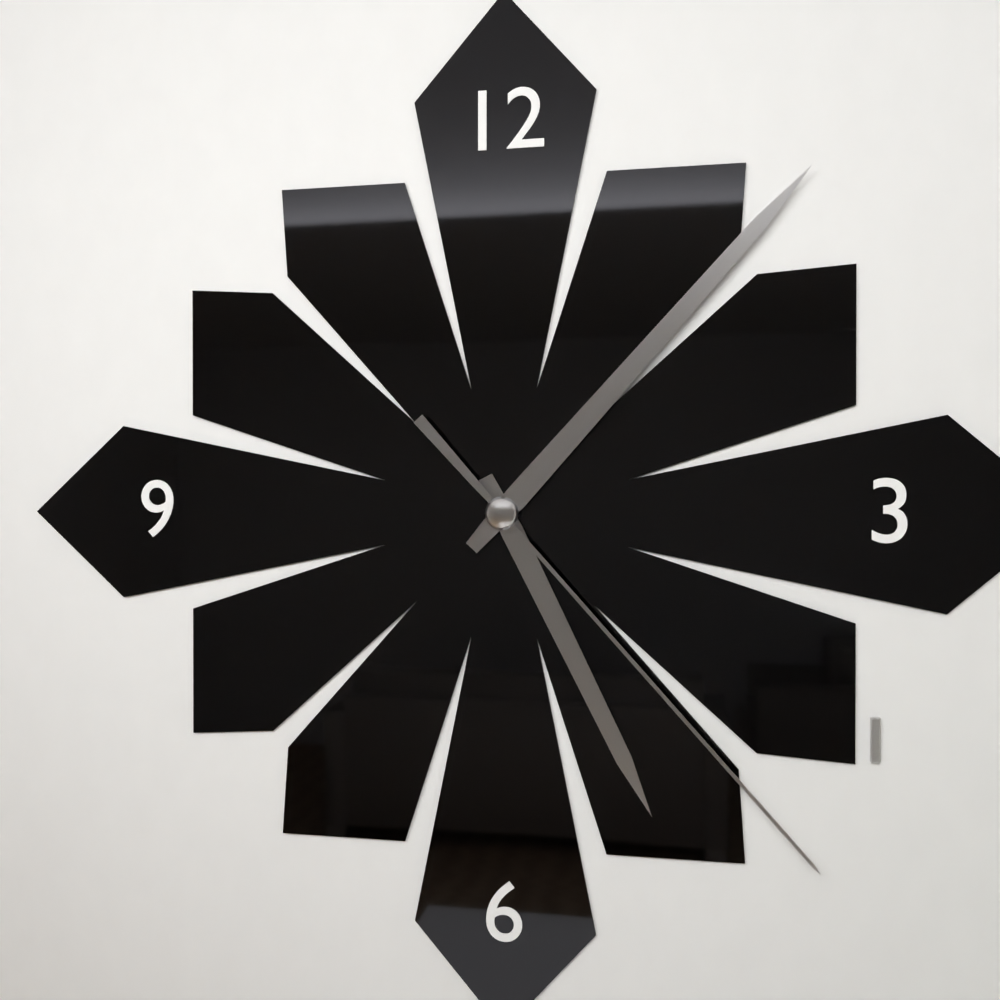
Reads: 5,07,23
